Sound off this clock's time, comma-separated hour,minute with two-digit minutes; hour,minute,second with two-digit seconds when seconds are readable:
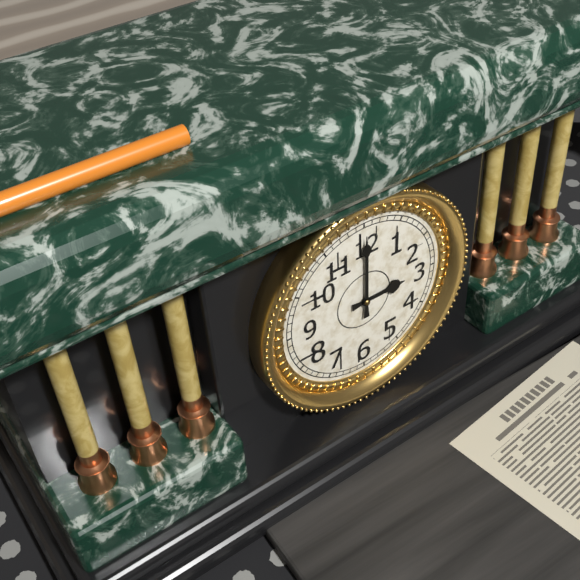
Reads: 3,00
